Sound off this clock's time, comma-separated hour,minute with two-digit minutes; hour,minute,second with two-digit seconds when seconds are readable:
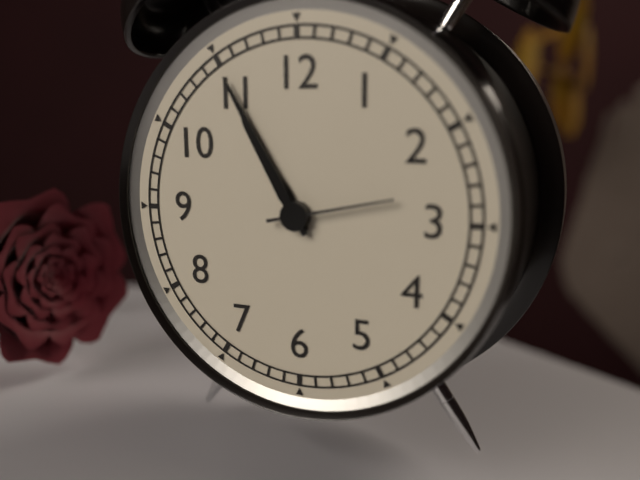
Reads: 10,55,13
